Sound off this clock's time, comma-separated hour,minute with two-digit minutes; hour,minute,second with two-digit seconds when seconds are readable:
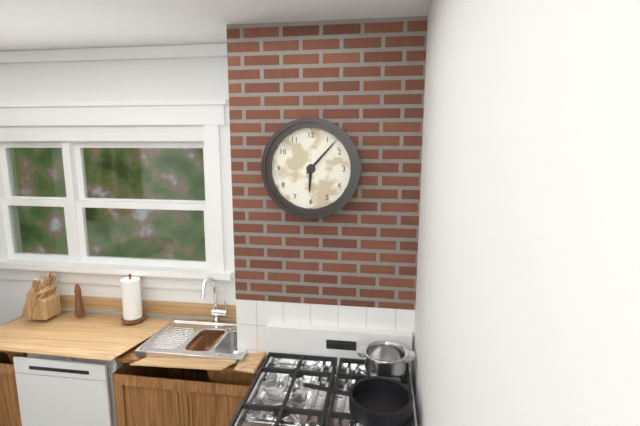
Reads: 6,07
